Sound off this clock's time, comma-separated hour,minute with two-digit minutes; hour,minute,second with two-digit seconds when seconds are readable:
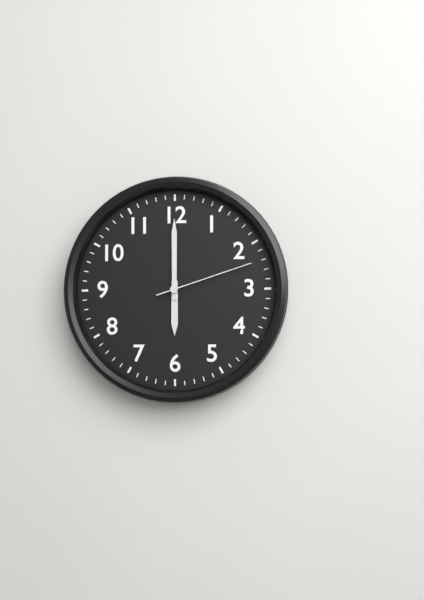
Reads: 6,00,12
